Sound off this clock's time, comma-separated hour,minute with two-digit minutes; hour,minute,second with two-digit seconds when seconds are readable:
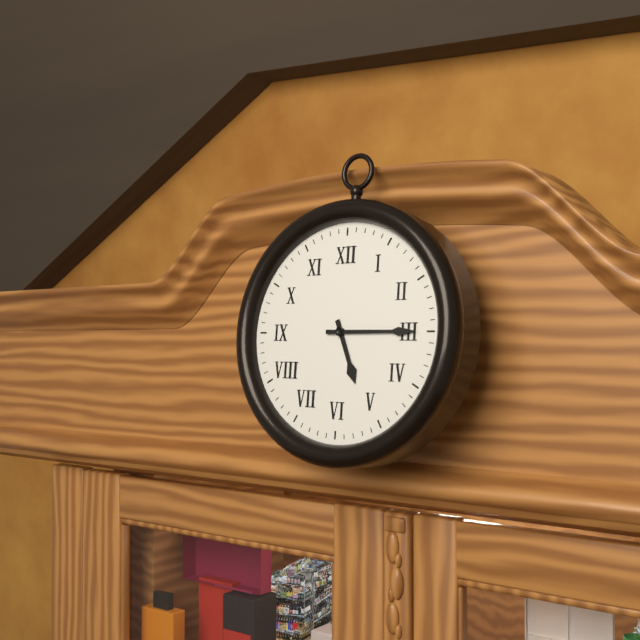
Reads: 5,15
